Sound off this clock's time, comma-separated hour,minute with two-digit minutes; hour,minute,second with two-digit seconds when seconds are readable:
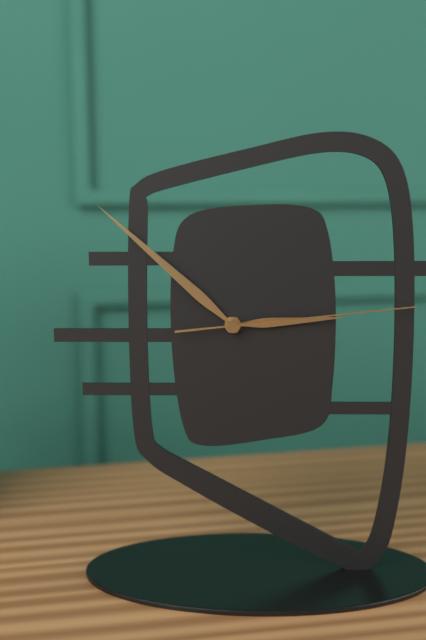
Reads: 2,52,14
